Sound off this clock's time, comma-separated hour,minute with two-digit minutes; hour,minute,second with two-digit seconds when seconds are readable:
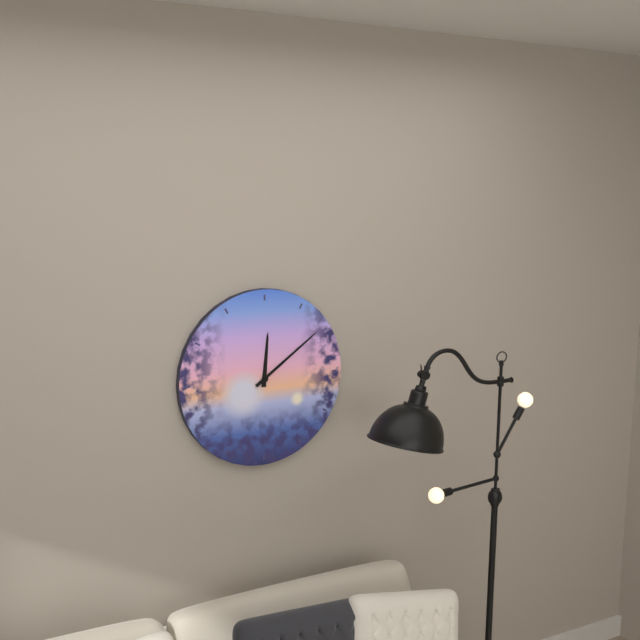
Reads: 12,09
